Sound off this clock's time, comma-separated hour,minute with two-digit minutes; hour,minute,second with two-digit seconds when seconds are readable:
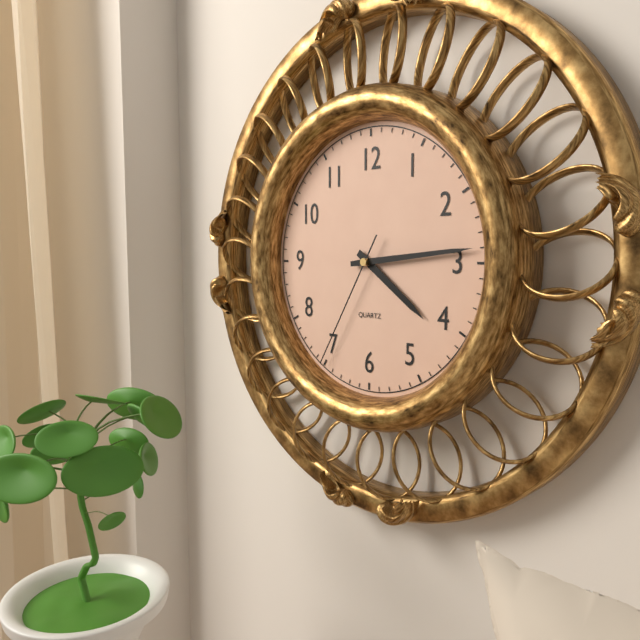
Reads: 4,14,35
